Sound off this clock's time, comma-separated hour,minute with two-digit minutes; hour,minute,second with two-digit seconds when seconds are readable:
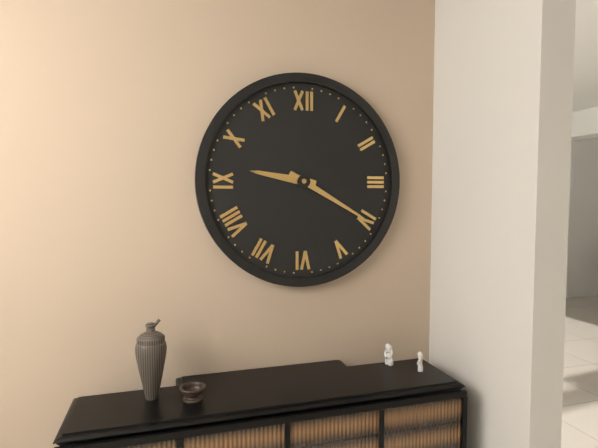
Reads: 9,20
